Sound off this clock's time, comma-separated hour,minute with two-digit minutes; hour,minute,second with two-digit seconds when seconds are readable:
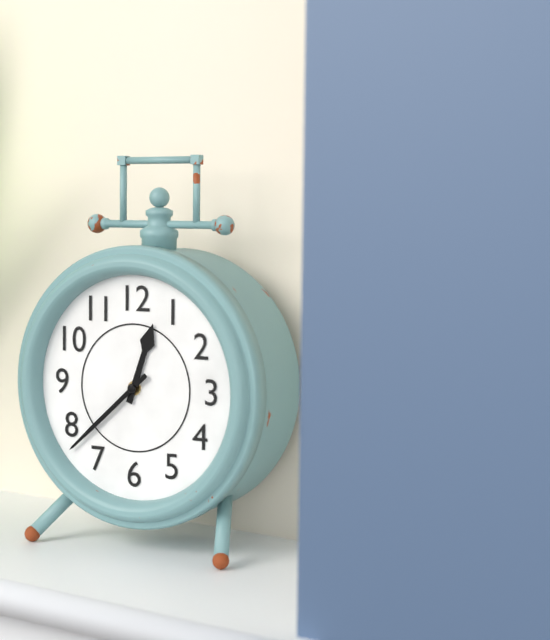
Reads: 12,38
